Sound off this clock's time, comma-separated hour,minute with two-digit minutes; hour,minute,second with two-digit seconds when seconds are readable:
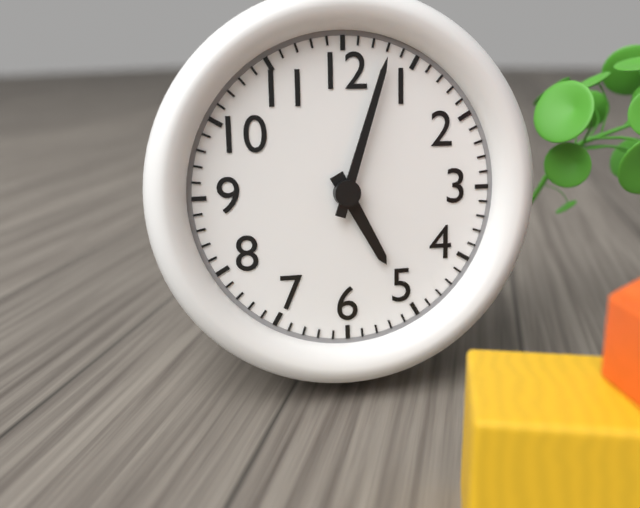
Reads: 5,03
